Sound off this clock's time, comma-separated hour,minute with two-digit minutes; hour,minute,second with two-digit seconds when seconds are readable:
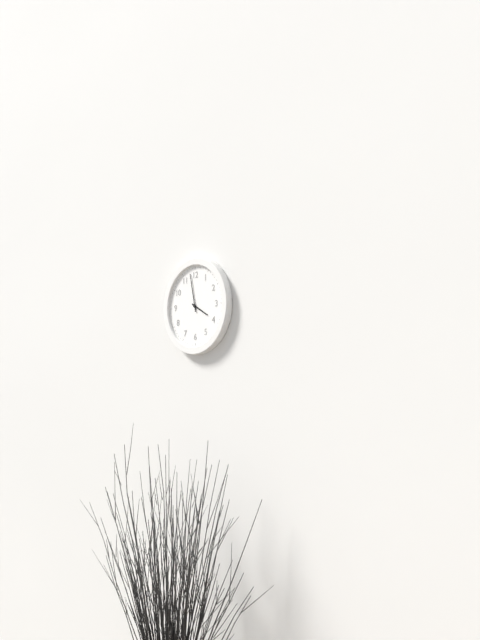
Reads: 3,58
